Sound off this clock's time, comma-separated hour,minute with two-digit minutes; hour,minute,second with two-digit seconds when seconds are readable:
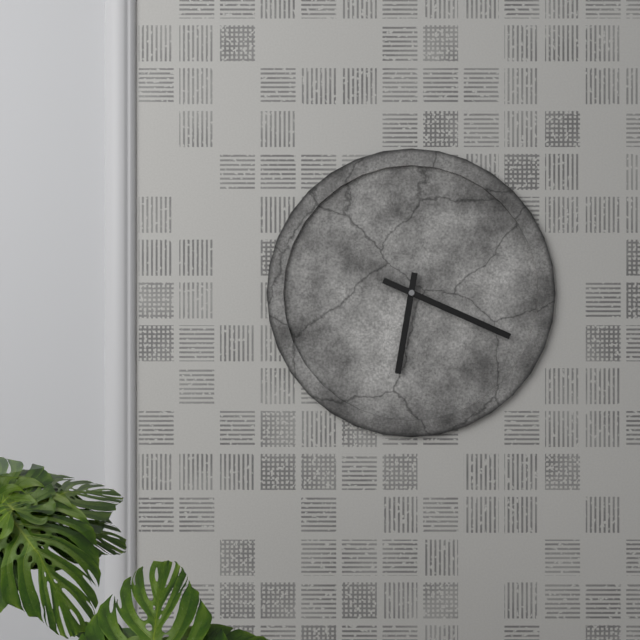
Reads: 6,19
